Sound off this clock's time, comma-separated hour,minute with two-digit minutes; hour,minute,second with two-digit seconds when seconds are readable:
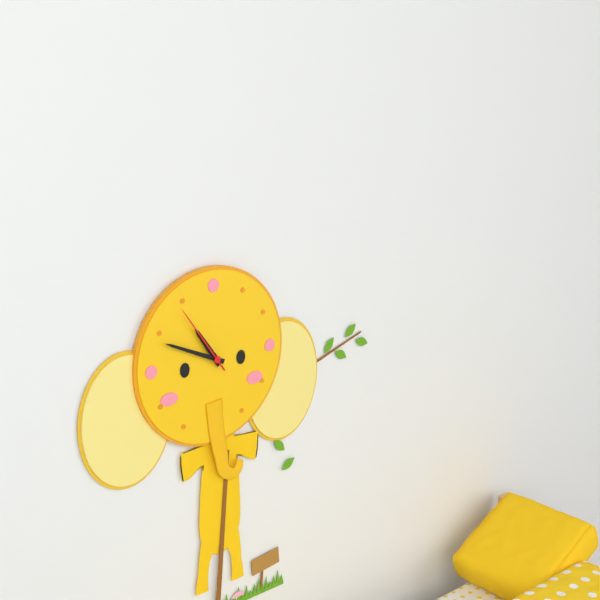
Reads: 10,49,54
